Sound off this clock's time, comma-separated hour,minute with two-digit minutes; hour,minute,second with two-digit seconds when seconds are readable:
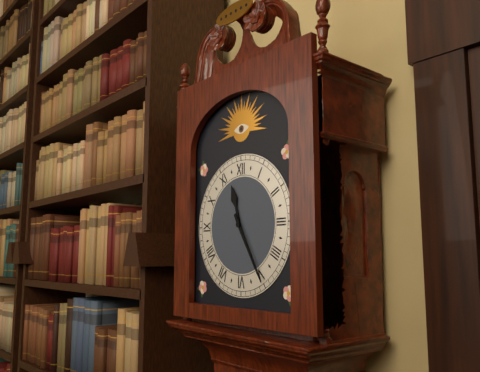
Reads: 11,25
